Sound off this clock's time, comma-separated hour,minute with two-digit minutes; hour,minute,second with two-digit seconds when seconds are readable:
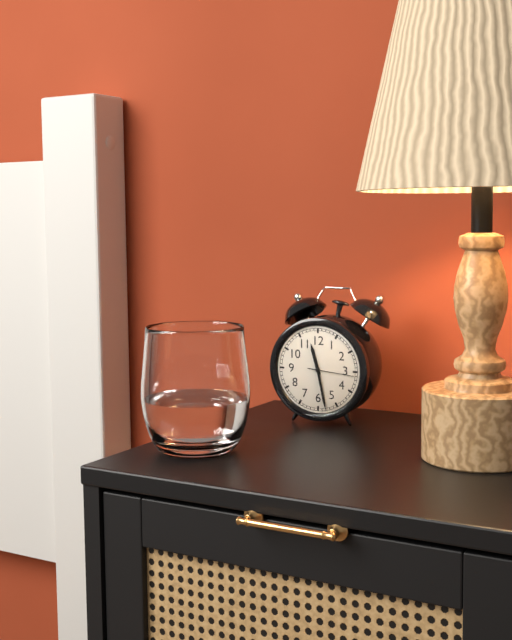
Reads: 11,28
